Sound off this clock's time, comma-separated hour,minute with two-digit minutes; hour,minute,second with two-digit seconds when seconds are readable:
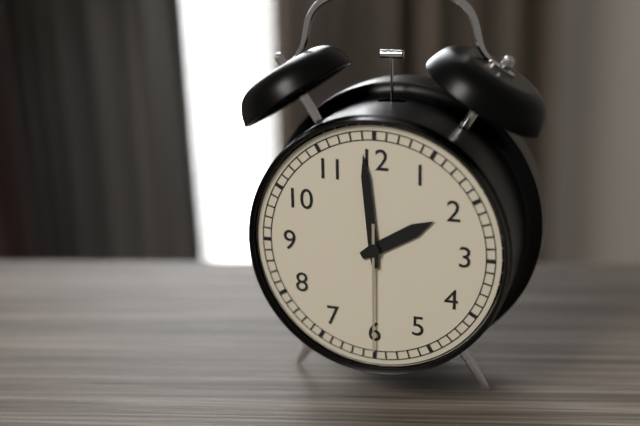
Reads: 1,59,30
